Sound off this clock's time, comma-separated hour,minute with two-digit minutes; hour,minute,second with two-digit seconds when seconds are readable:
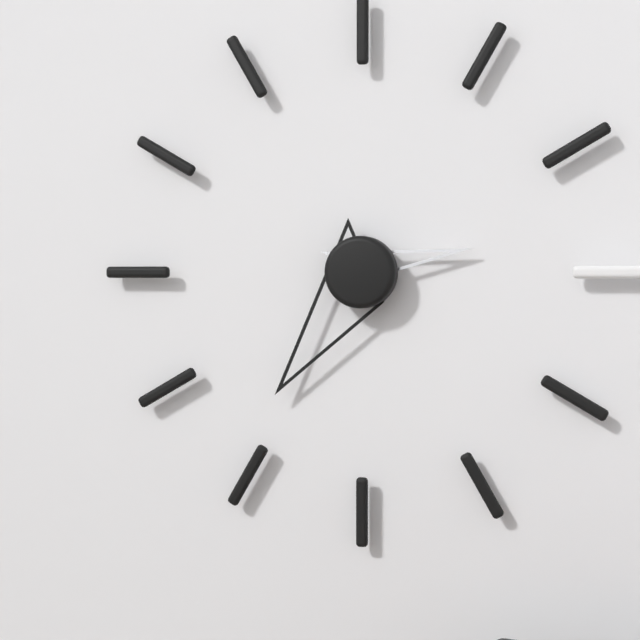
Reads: 2,36
